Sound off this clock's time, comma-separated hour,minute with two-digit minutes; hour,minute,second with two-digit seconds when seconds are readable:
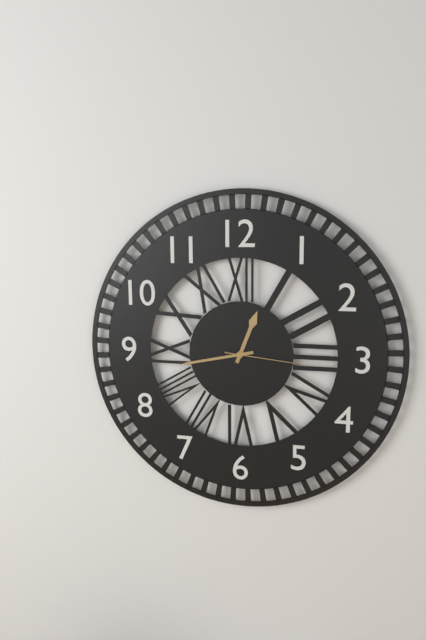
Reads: 12,43,16
